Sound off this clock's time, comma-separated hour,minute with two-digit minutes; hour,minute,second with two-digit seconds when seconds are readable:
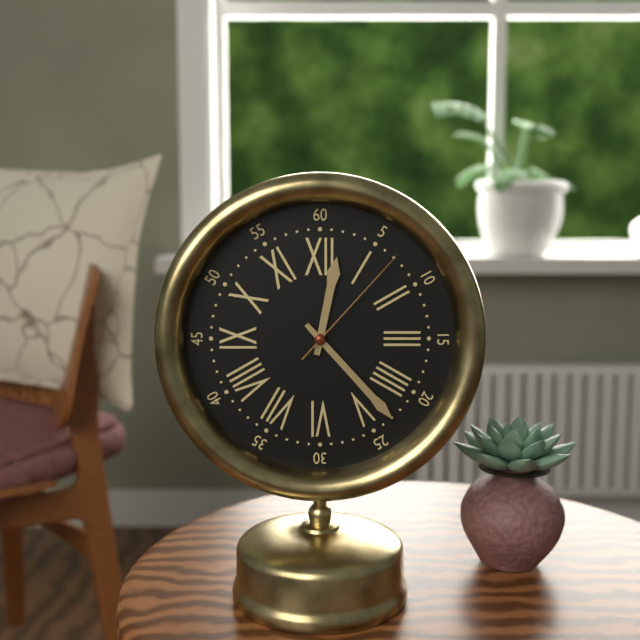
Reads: 12,23,07
